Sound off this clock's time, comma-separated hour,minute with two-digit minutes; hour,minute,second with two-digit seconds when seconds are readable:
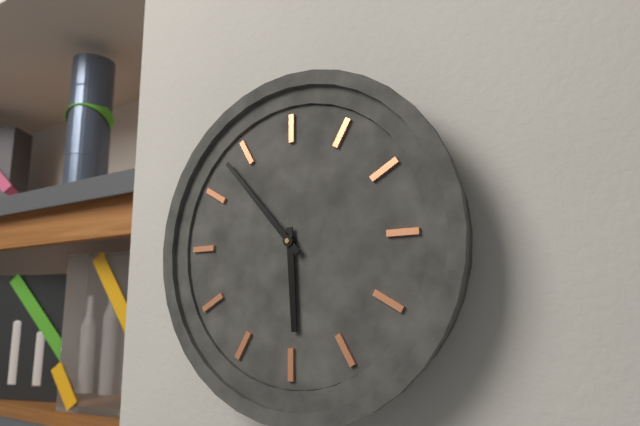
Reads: 5,53
